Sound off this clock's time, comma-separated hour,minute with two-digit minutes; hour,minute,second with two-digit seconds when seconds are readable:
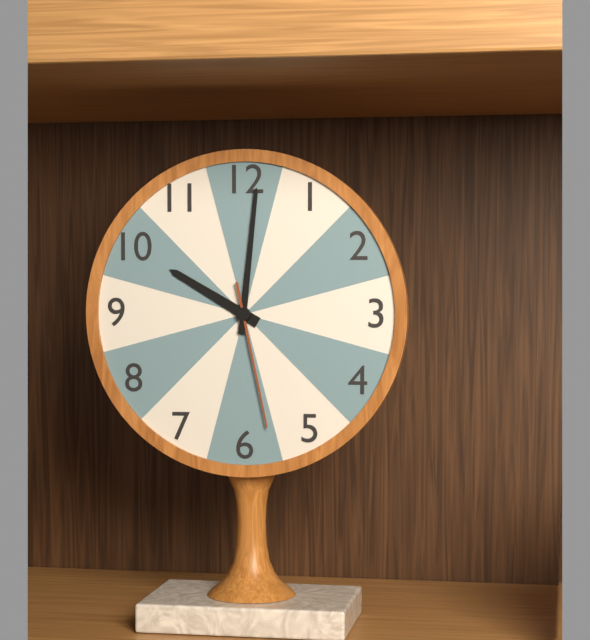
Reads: 10,01,28
